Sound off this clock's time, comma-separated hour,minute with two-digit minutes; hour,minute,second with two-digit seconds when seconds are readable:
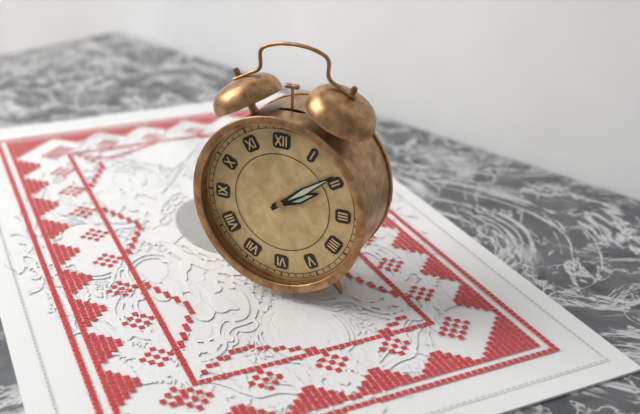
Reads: 2,09
